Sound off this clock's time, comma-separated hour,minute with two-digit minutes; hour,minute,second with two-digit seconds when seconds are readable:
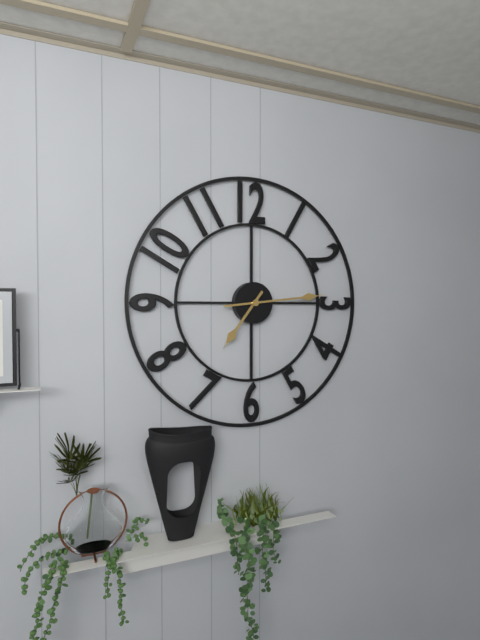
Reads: 7,14
